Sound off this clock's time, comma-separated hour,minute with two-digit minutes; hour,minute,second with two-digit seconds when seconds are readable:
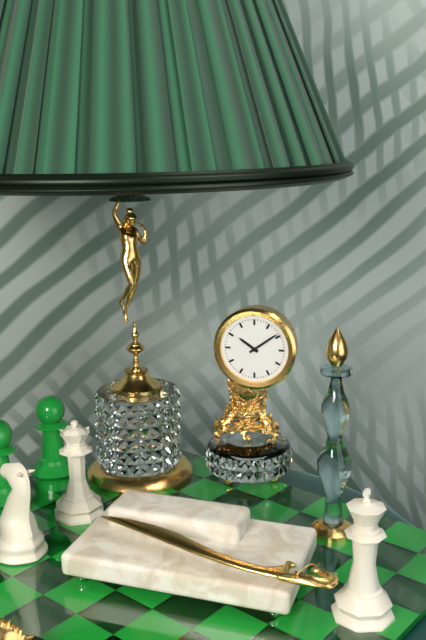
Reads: 10,09
